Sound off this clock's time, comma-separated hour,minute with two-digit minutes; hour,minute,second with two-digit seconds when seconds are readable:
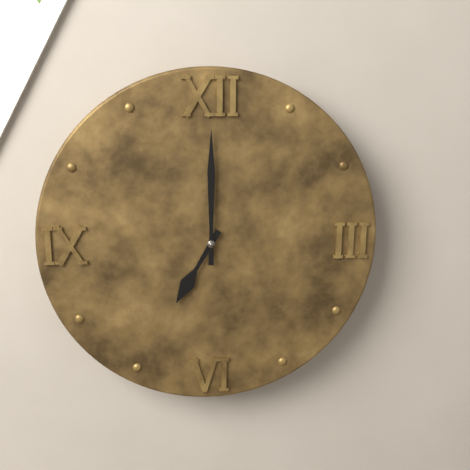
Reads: 7,00
